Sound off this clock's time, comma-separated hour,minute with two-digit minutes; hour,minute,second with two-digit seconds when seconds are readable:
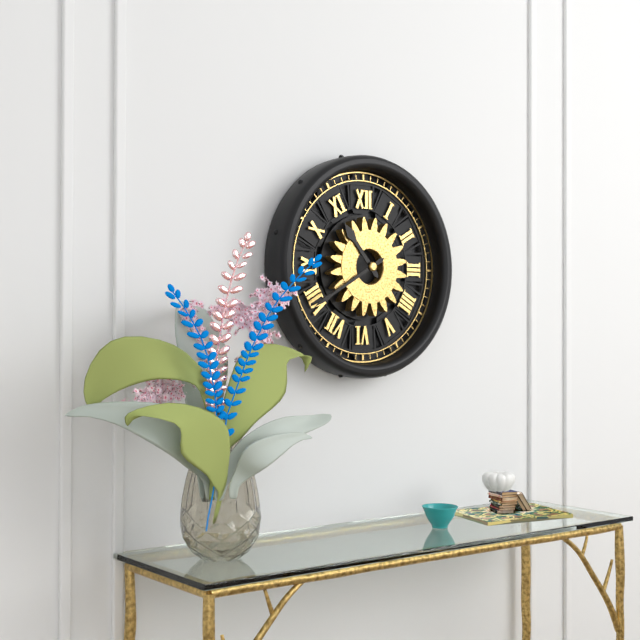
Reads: 10,40
